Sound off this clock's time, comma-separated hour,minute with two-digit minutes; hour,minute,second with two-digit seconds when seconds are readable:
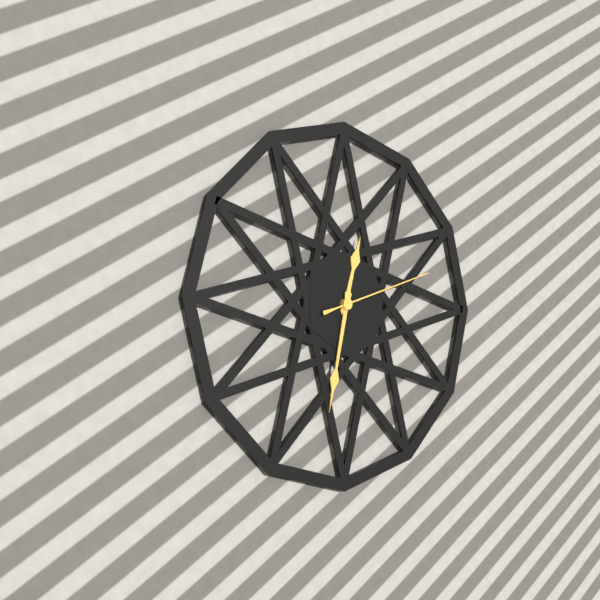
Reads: 12,32,12
